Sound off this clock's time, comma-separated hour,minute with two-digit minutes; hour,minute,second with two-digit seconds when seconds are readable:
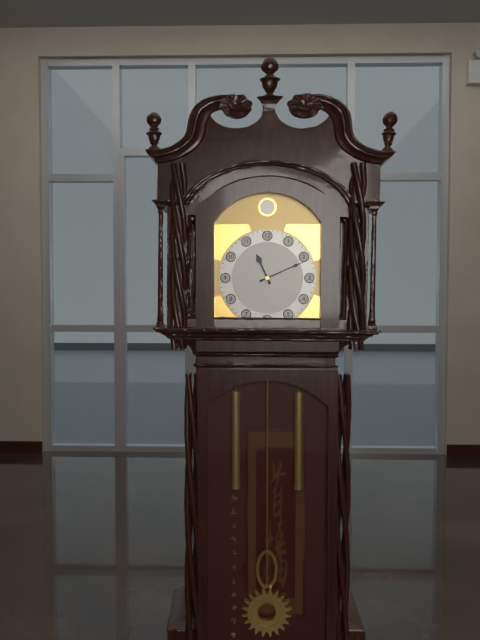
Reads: 11,11
